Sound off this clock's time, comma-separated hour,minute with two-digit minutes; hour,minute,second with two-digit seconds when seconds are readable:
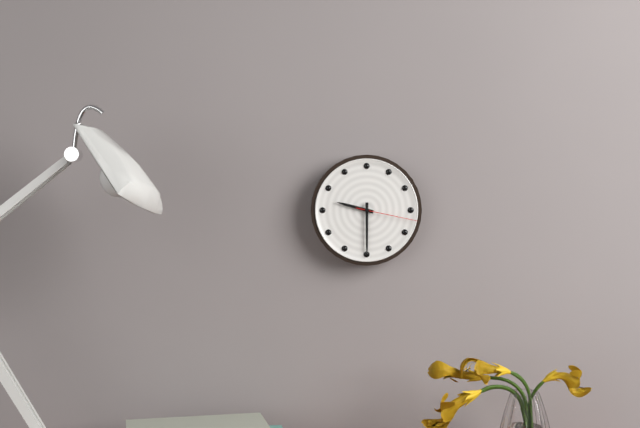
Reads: 9,30,17
